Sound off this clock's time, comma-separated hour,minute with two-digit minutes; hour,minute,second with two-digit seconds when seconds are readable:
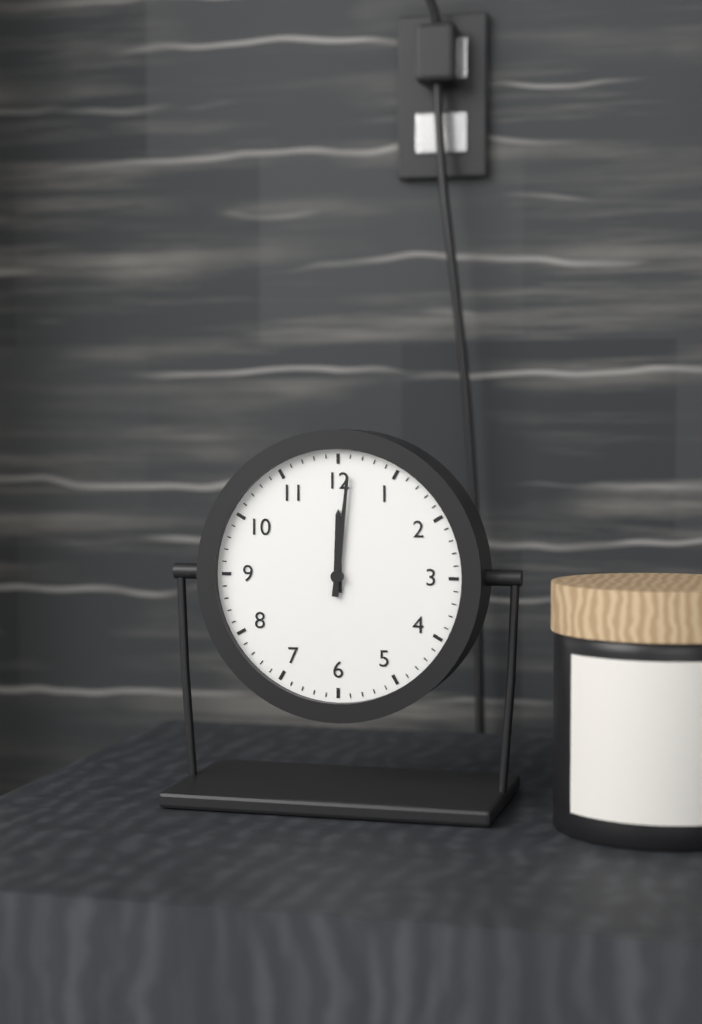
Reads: 12,01
